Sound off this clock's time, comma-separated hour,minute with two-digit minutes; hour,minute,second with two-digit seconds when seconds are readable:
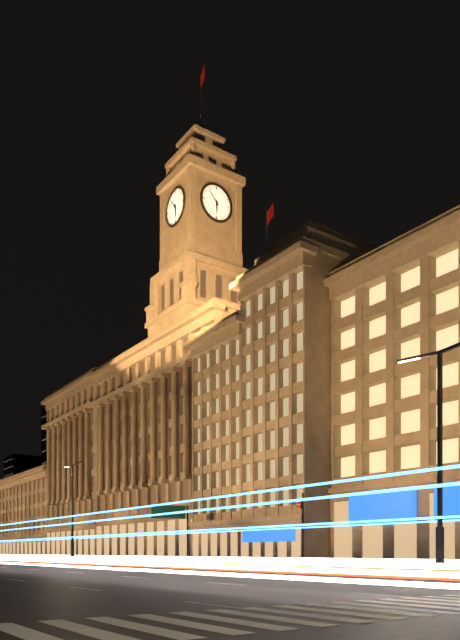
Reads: 5,53
